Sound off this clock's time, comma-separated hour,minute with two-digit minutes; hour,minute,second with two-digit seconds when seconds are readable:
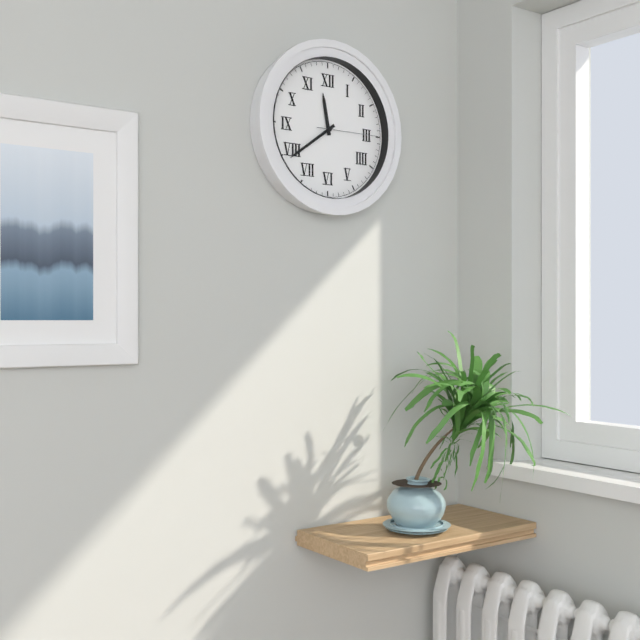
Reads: 11,39,15
